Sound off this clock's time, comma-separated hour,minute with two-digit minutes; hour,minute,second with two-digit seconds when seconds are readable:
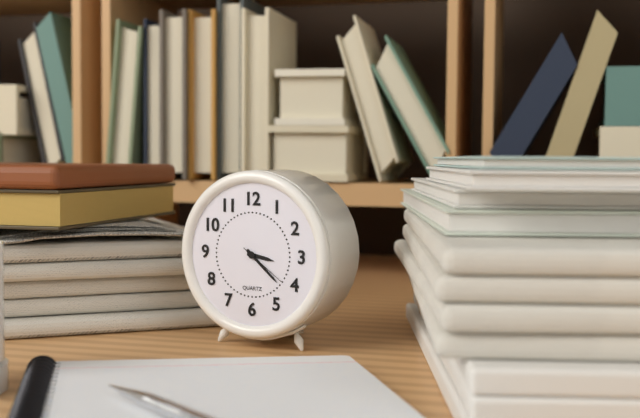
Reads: 3,22,21
